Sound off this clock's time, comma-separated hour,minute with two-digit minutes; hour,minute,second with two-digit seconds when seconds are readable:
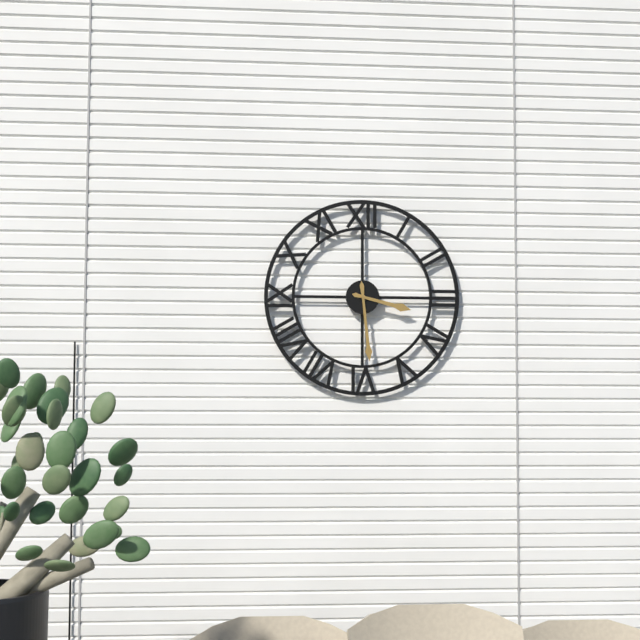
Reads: 3,29
